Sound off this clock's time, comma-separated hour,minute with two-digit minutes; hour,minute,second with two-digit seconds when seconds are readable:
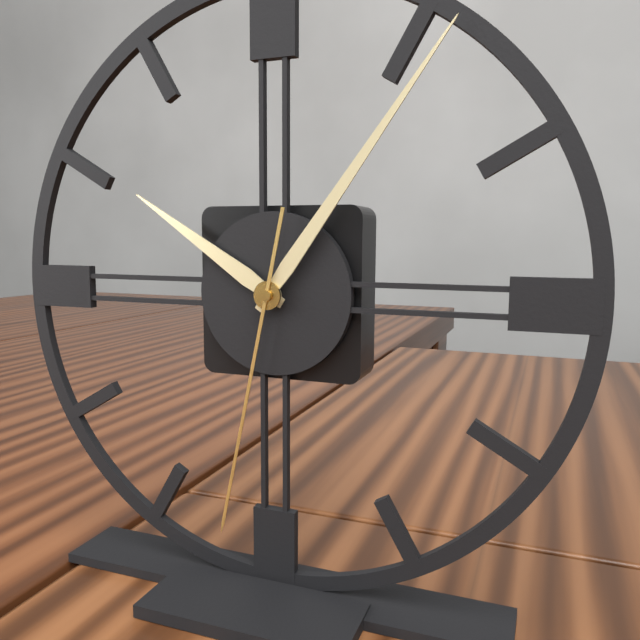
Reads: 10,06,32
